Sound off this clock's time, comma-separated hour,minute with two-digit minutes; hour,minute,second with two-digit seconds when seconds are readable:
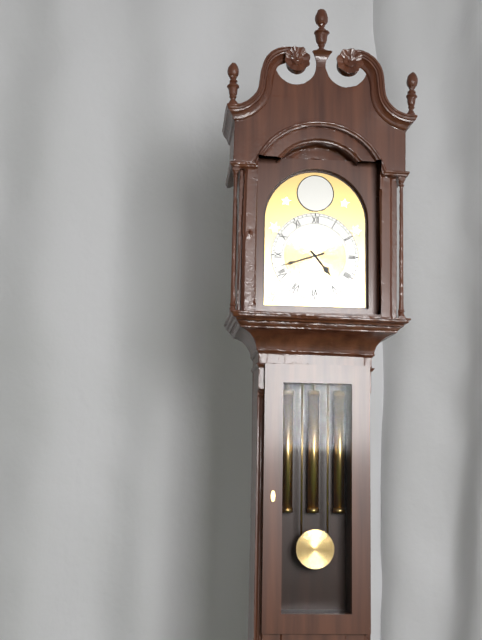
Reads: 4,42
